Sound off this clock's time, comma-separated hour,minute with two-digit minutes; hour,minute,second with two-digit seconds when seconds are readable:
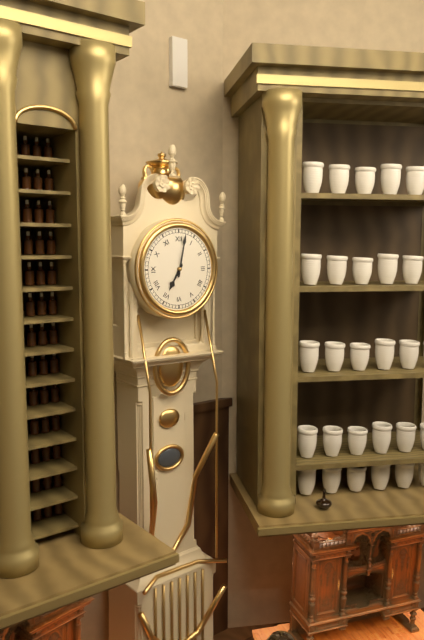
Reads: 7,02
